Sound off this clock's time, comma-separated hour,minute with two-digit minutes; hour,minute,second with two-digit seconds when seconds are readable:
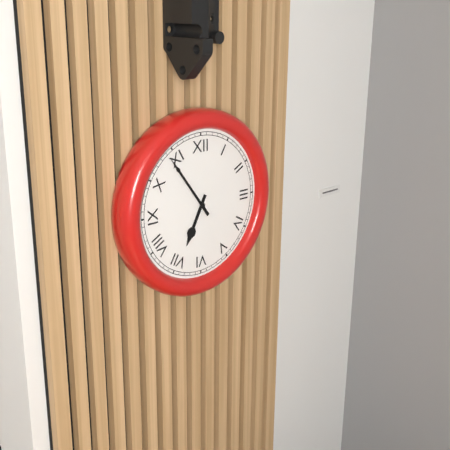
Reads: 6,54
